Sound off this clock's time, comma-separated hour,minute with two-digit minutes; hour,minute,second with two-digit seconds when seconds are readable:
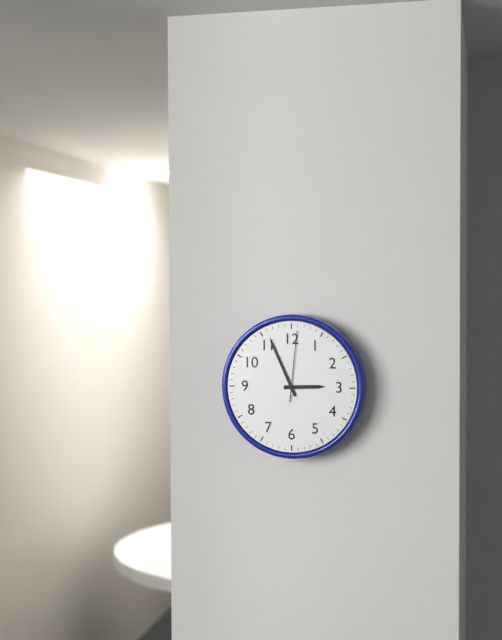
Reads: 2,56,01
